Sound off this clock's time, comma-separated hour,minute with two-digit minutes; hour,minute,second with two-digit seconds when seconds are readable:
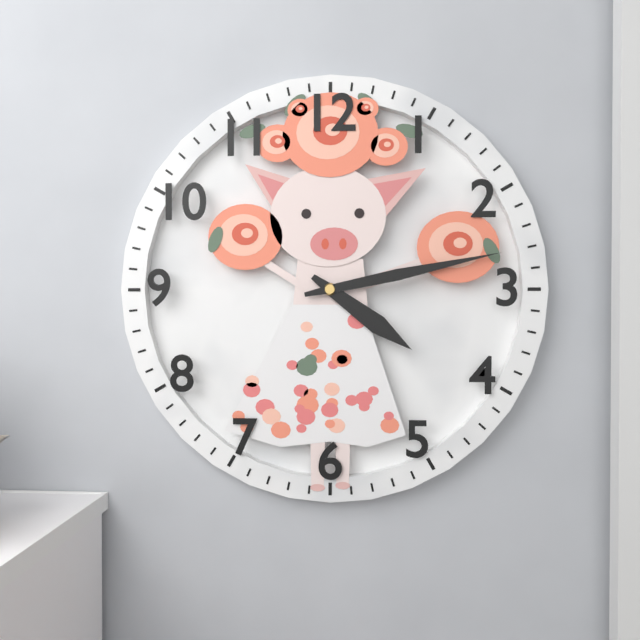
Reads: 4,13
